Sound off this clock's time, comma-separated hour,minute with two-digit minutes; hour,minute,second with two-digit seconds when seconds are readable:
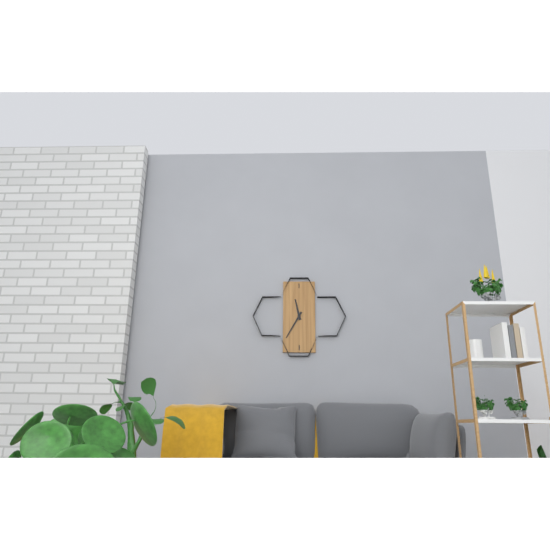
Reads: 11,35
